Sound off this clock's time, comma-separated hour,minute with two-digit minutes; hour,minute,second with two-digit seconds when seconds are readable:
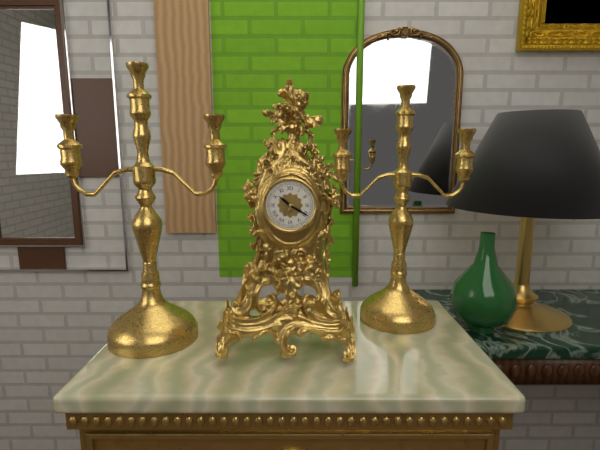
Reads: 10,20
